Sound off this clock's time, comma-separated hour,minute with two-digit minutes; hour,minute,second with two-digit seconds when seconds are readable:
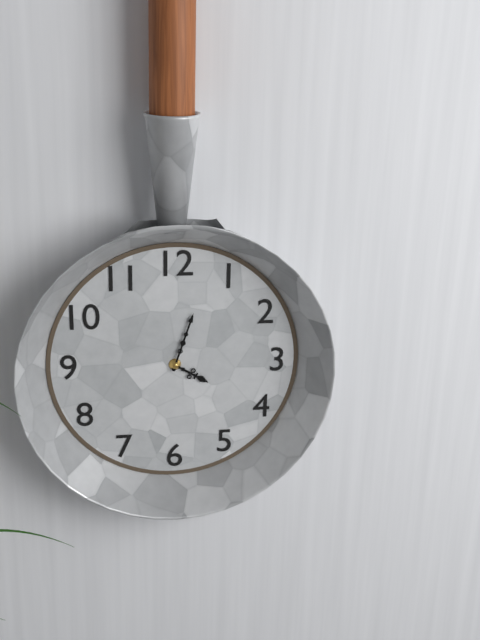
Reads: 4,03
